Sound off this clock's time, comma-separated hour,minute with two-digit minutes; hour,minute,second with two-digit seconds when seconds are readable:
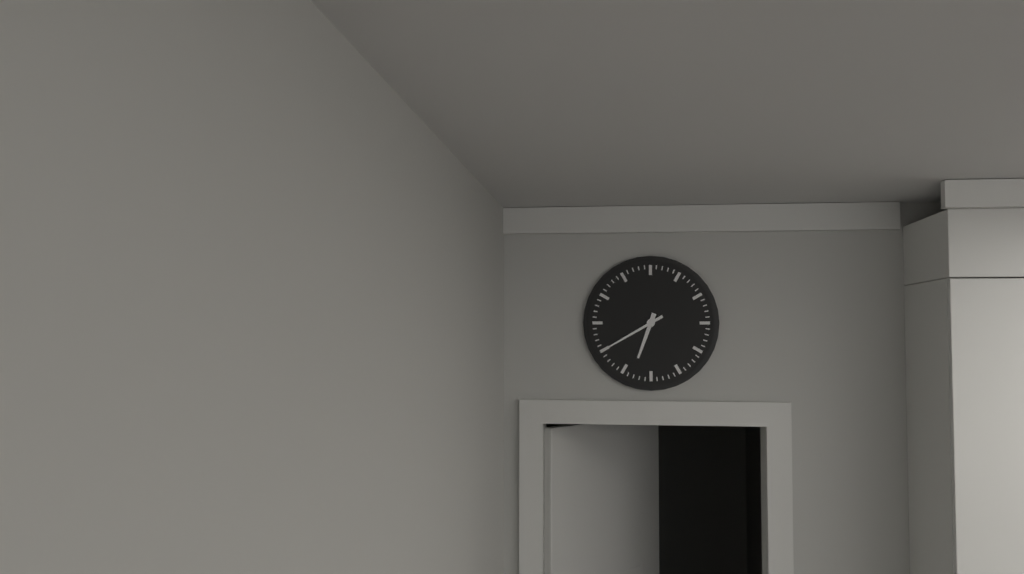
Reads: 6,40
